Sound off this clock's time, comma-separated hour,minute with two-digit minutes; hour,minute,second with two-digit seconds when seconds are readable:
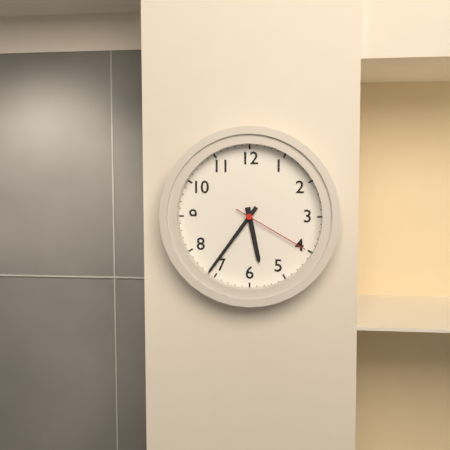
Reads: 5,36,20
